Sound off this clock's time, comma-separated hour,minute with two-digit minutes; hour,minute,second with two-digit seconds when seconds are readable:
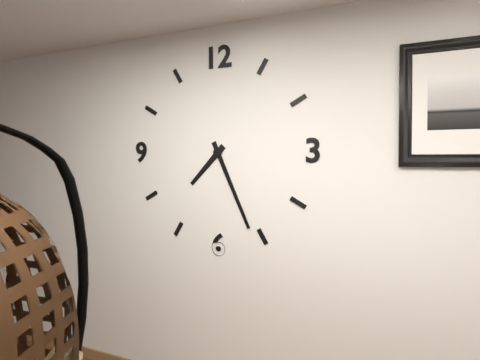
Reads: 7,26
